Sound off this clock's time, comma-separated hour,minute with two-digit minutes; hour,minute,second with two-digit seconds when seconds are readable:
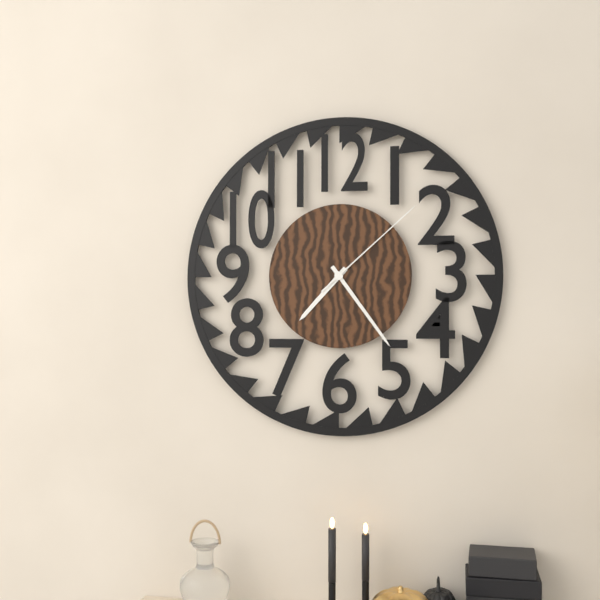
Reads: 7,24,08
